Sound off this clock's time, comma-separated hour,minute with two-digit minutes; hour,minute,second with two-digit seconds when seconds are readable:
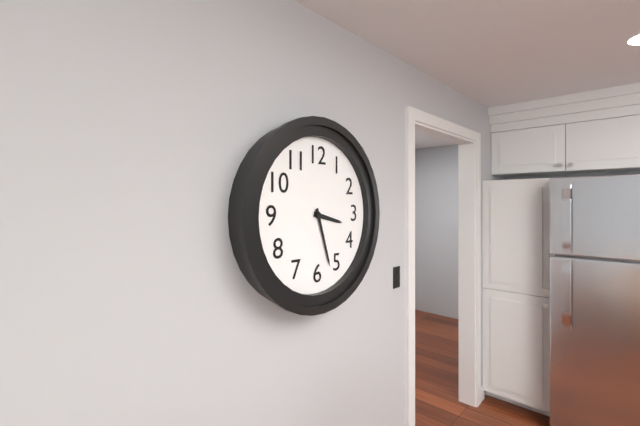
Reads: 3,27
